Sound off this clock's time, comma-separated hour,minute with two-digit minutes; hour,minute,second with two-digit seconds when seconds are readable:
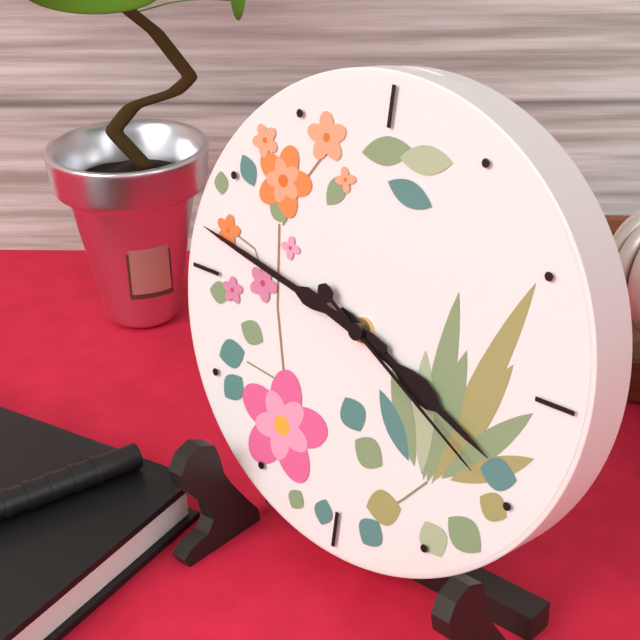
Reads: 3,47,20
